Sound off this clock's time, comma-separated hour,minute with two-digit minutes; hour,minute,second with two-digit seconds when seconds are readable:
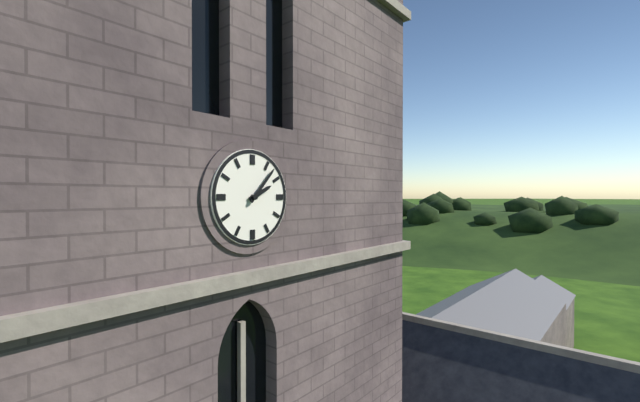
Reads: 2,07
